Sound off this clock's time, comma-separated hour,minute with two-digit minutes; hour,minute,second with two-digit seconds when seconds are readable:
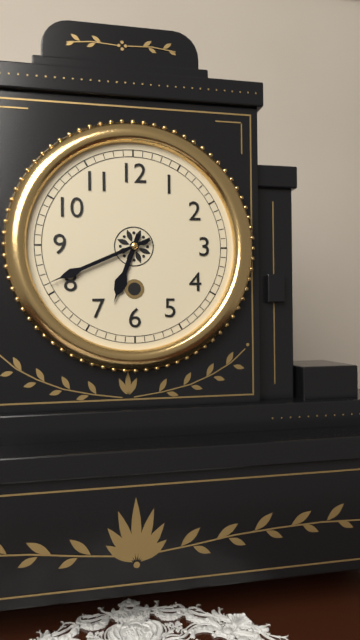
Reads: 6,41
